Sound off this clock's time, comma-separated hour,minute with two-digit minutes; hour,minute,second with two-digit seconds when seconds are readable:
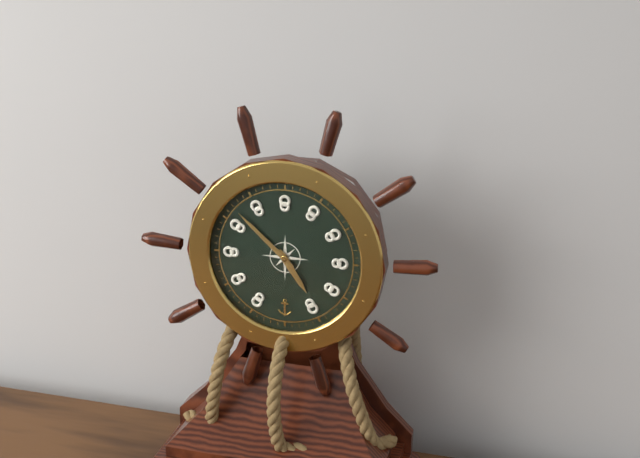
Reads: 4,52
